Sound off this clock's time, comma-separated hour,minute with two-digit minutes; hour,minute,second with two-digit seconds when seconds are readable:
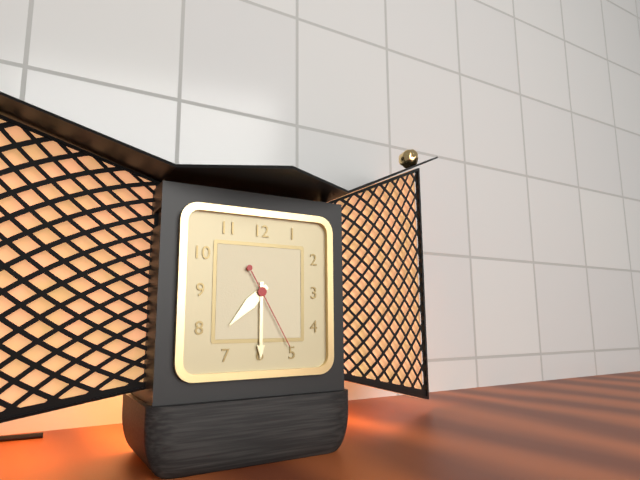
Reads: 7,30,25
